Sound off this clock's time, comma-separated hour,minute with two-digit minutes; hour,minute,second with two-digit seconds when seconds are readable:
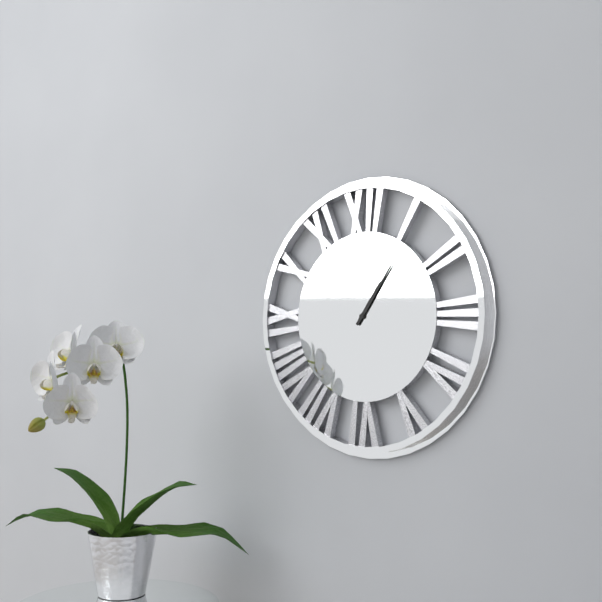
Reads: 1,06
